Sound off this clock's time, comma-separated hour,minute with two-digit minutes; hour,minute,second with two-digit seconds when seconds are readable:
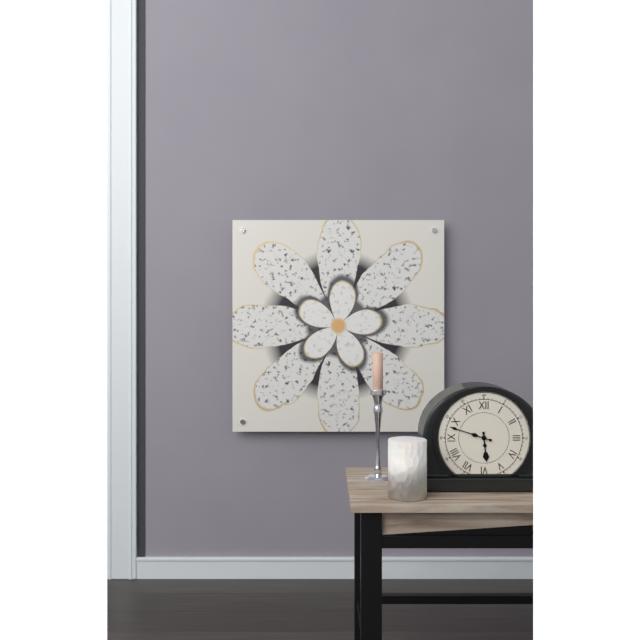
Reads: 5,48
